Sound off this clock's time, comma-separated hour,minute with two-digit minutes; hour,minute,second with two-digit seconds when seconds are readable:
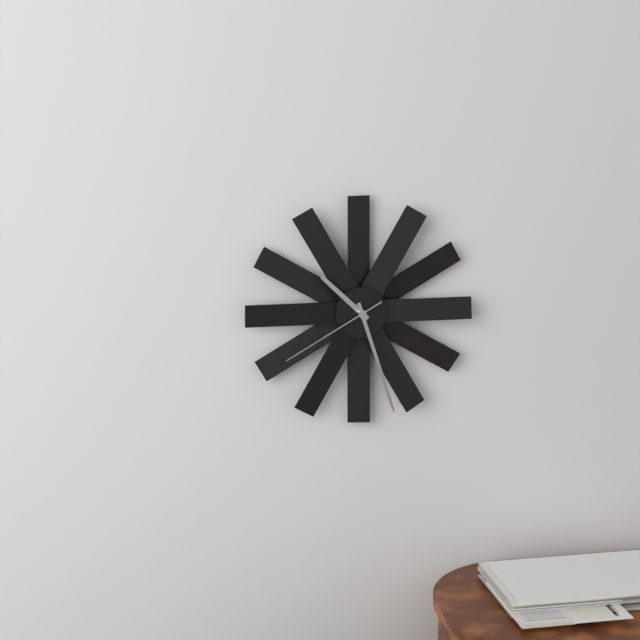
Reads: 10,27,40
